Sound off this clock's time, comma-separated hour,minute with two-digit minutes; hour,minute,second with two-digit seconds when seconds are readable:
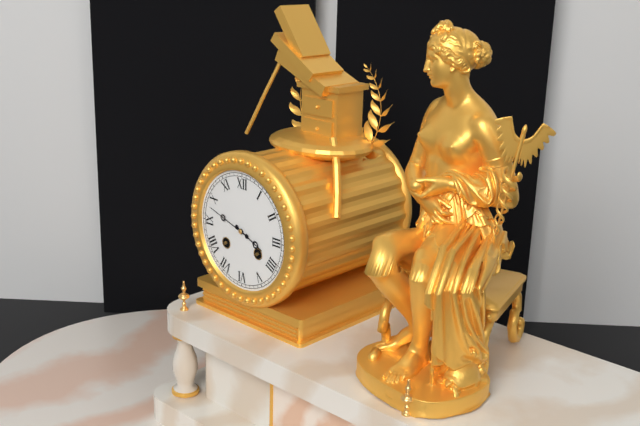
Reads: 3,48
